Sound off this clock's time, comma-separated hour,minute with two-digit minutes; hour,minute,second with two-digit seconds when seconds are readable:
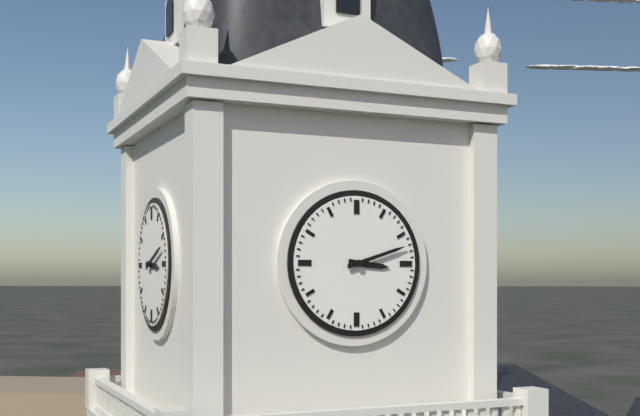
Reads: 3,12
